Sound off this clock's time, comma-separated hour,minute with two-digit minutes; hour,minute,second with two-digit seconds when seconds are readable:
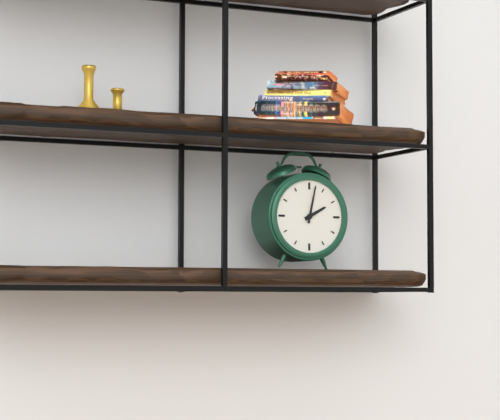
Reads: 2,02
